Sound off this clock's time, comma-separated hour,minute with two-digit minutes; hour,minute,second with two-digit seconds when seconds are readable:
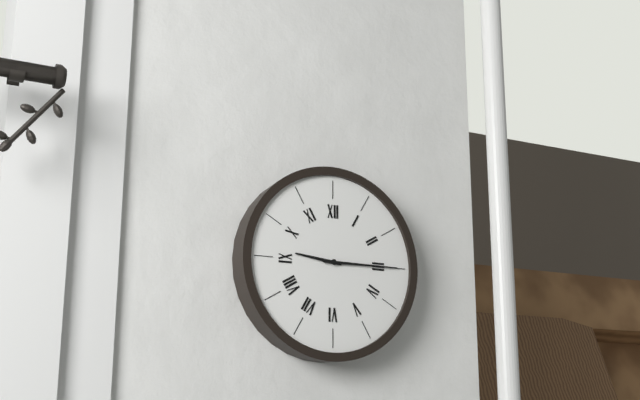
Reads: 9,15
